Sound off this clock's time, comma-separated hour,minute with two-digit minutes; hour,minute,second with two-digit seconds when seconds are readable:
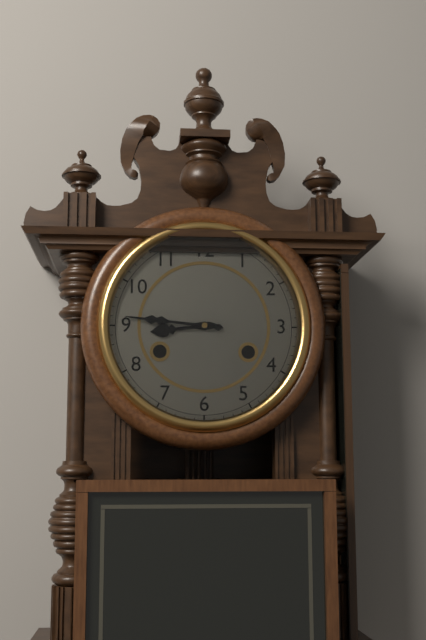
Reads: 8,46
